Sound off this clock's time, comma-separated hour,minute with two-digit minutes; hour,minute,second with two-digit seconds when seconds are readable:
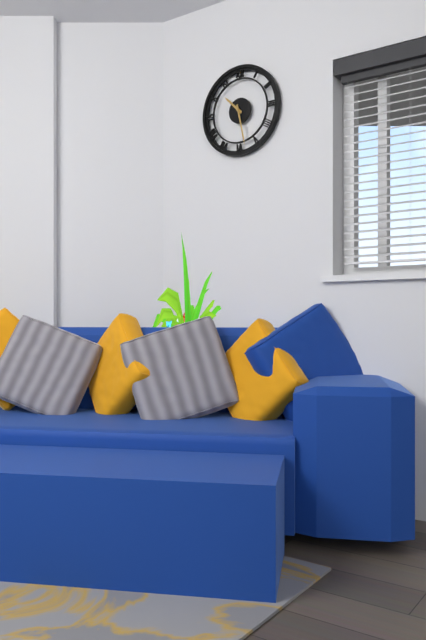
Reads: 10,28
